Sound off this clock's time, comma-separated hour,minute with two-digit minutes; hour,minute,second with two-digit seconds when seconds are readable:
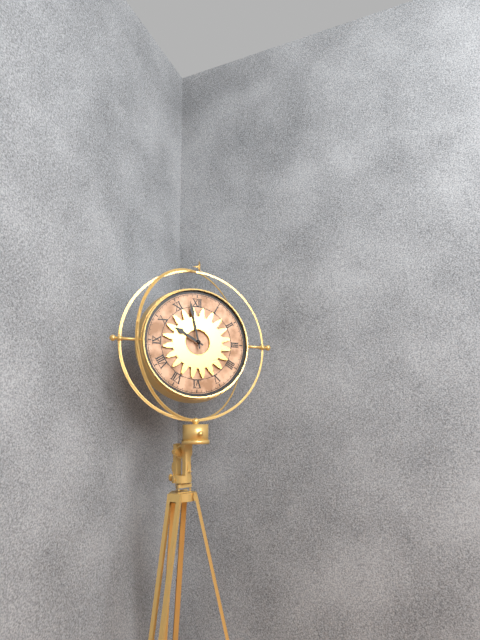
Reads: 9,58
